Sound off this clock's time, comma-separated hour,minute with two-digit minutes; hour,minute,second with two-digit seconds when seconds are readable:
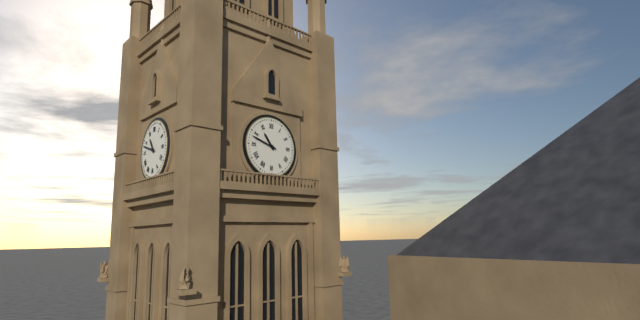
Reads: 10,48
